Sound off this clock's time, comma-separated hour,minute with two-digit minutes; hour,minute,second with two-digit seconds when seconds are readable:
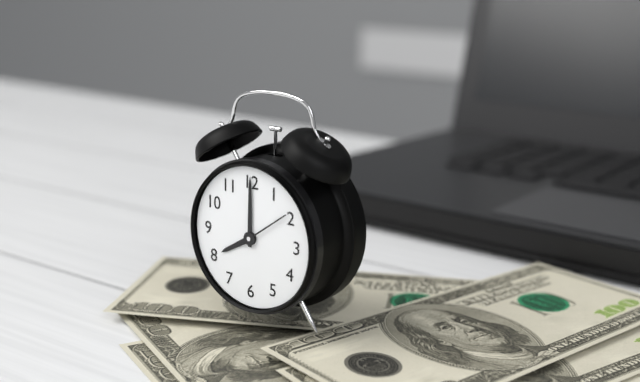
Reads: 8,00,09
